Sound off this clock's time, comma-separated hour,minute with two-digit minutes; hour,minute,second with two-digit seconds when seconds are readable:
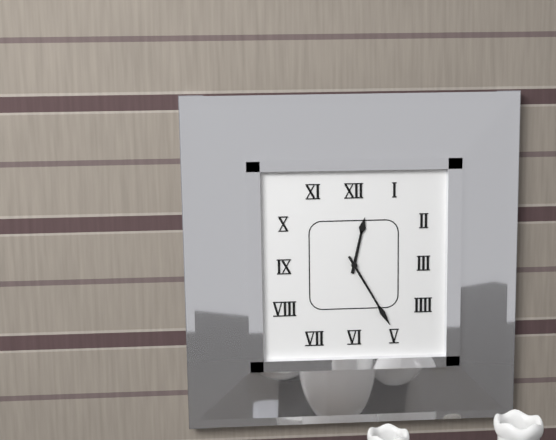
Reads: 12,25
